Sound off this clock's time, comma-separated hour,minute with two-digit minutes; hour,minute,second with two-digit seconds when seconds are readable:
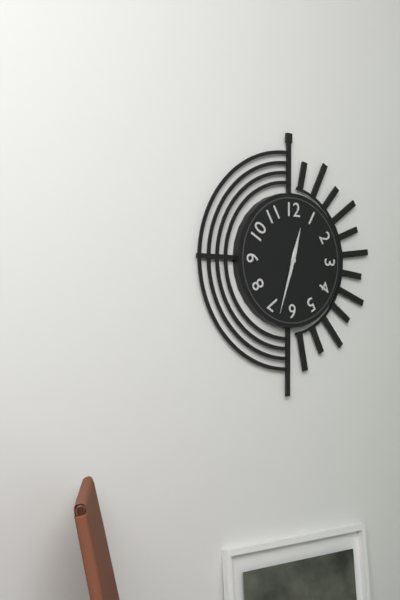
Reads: 12,33
